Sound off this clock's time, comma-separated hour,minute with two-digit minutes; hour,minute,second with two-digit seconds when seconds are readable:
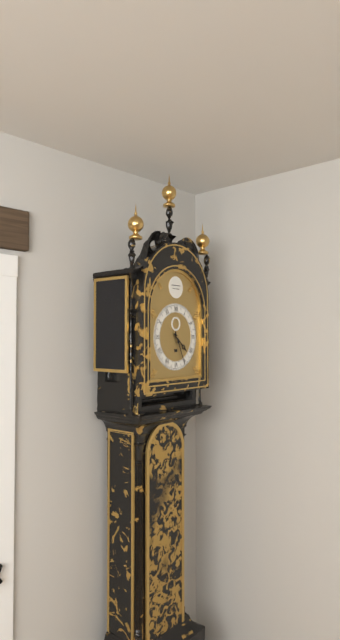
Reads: 4,26
